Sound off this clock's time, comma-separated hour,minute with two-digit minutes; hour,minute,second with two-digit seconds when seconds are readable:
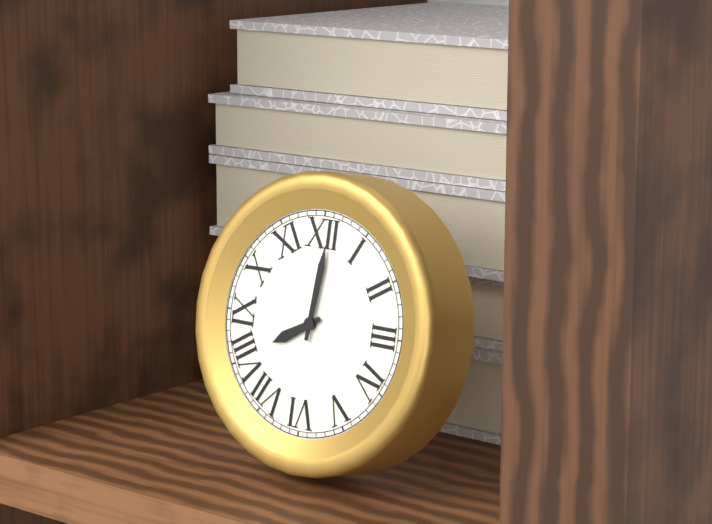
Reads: 8,01
